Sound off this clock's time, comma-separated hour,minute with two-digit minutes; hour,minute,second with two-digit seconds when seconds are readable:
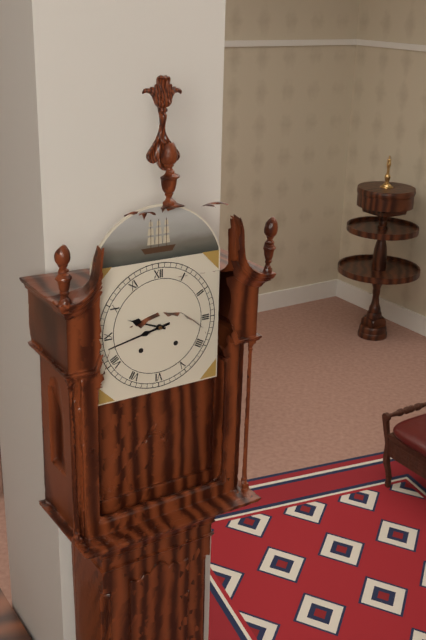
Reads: 9,43
